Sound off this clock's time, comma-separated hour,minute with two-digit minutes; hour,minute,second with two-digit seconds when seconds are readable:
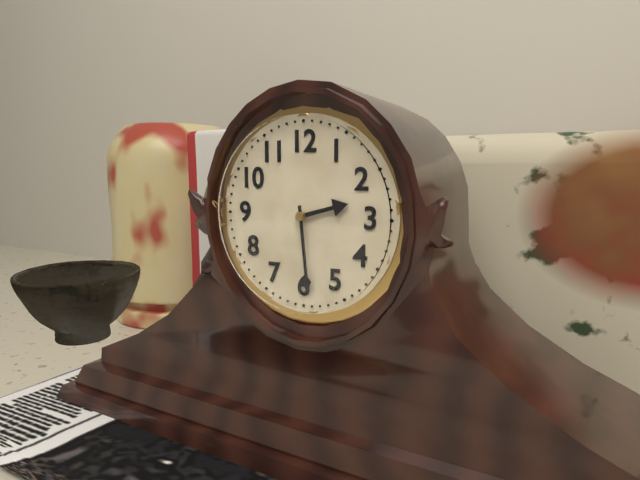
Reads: 2,29
